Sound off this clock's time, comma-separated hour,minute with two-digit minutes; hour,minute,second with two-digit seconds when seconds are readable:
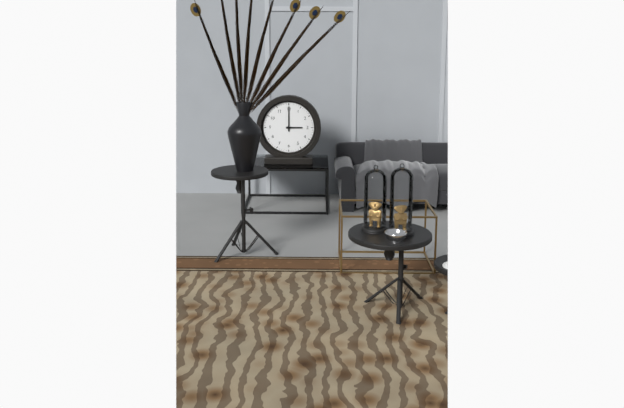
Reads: 3,00
